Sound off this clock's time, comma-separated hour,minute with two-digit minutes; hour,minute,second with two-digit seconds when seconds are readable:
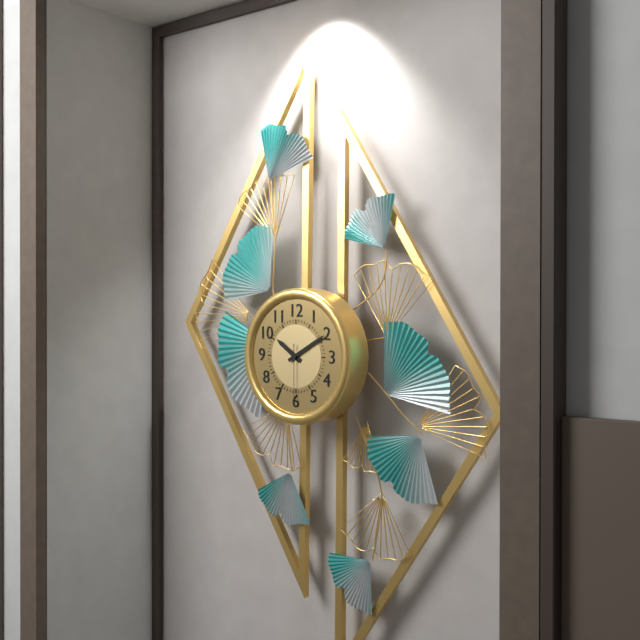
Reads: 10,10,30
